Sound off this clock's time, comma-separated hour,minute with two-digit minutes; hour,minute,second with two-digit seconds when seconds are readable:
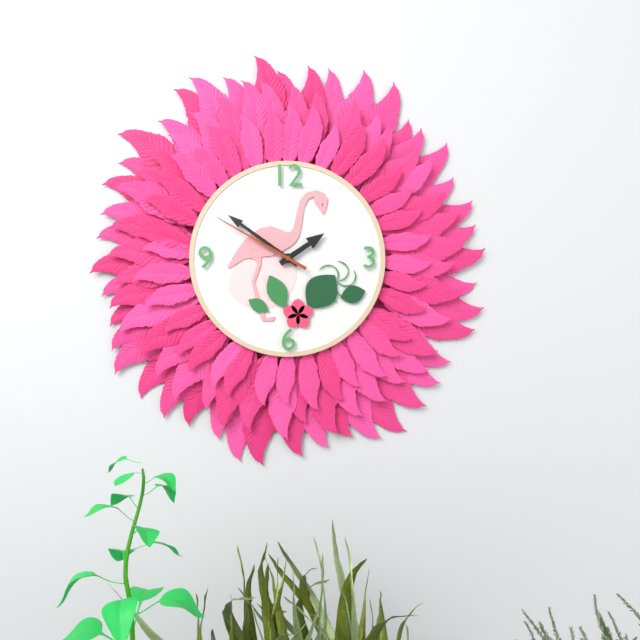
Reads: 1,51,50
